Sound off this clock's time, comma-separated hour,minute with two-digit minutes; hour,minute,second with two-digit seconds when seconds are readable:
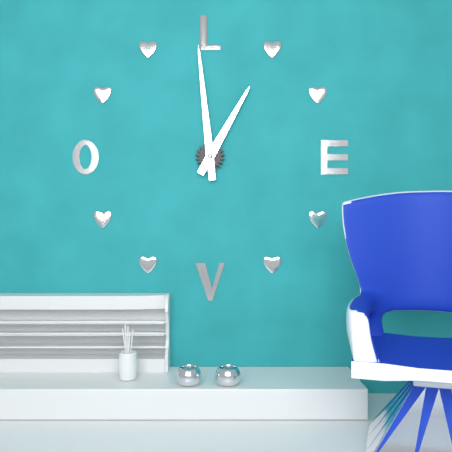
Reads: 12,59
